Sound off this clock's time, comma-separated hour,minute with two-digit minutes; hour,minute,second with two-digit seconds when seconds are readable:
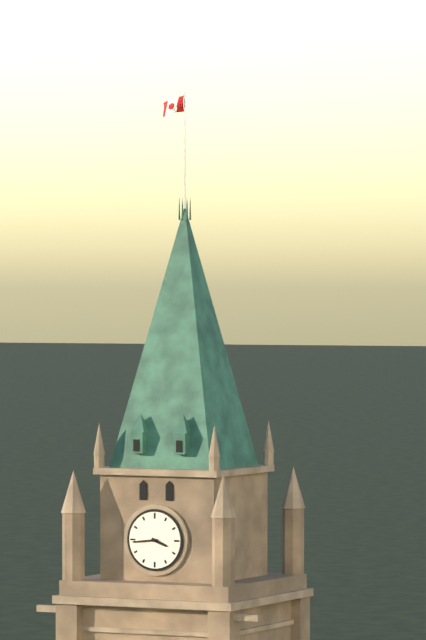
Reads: 3,44
